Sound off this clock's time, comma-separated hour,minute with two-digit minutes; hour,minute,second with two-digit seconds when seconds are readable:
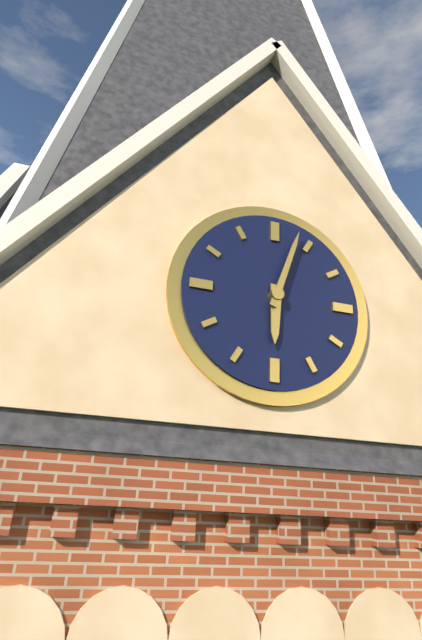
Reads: 6,03
